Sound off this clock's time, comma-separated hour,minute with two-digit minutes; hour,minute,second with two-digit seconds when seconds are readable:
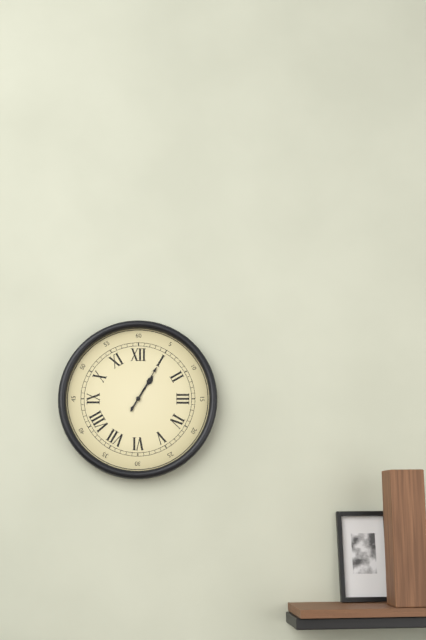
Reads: 1,05
